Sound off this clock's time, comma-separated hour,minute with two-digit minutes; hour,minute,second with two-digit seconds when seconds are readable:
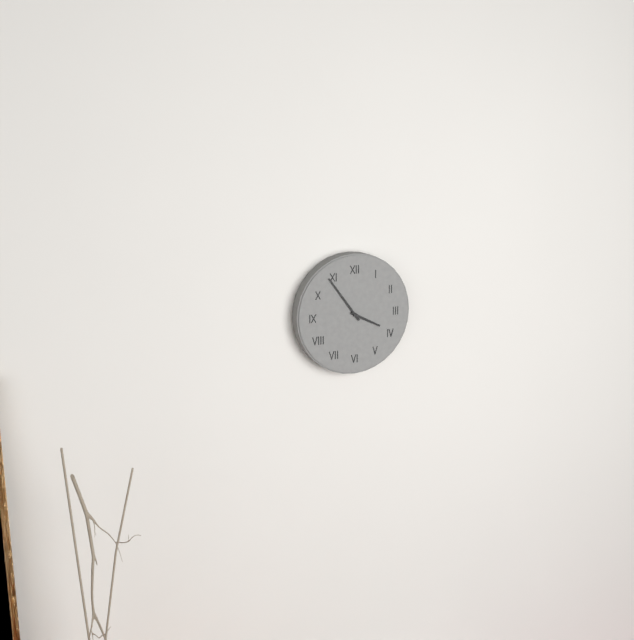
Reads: 3,54
